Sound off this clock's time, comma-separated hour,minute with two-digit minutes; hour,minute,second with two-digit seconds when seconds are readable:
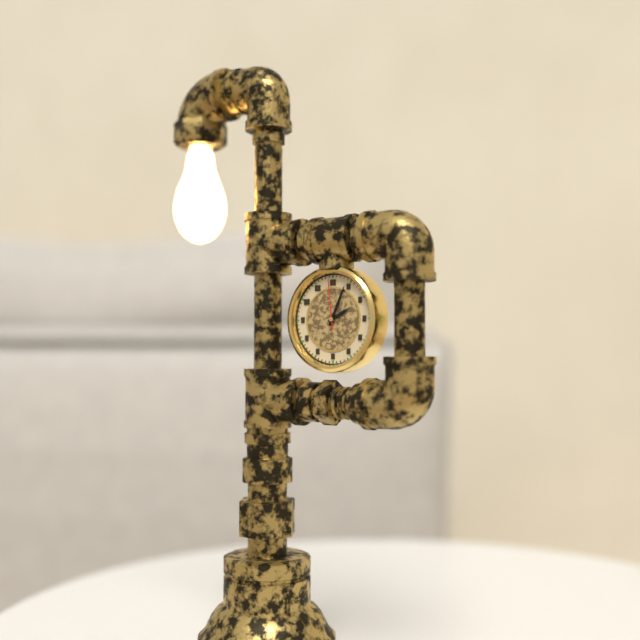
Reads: 2,04,59
